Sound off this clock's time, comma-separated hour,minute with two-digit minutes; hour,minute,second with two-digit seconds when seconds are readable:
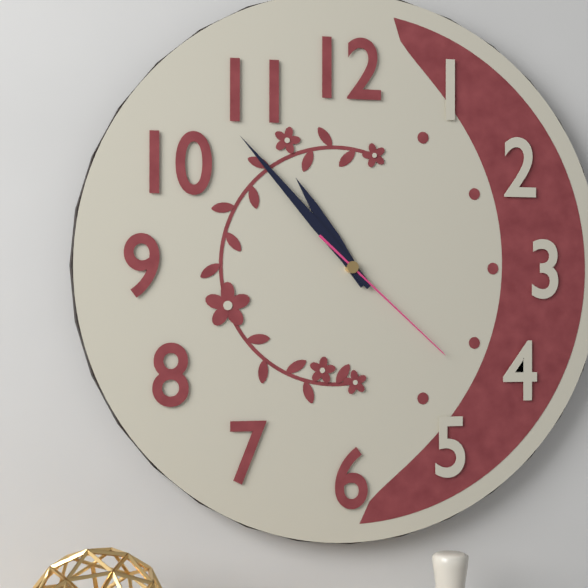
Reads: 10,53,22
